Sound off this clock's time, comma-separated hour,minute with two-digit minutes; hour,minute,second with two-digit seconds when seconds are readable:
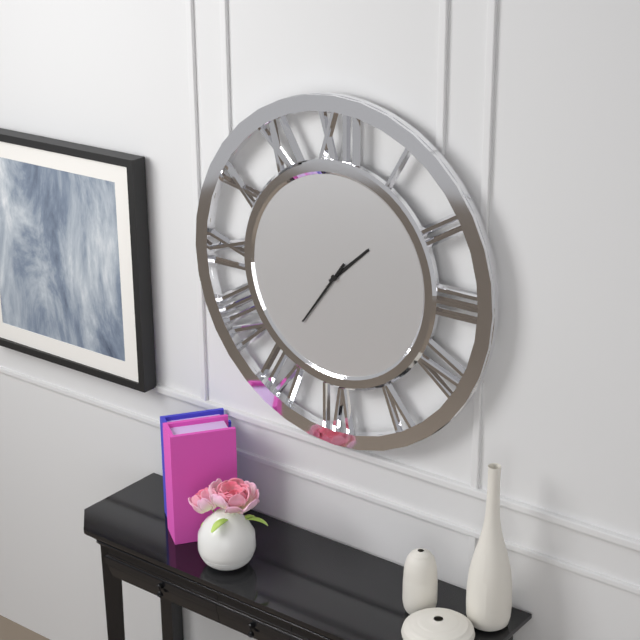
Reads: 1,36
